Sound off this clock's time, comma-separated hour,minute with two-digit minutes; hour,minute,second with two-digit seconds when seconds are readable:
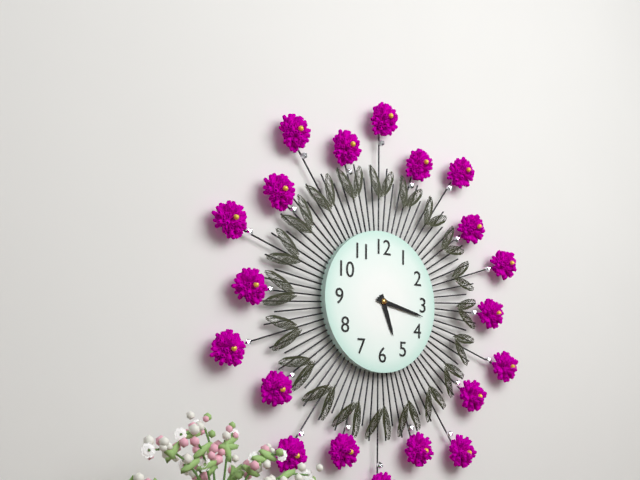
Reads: 5,17
